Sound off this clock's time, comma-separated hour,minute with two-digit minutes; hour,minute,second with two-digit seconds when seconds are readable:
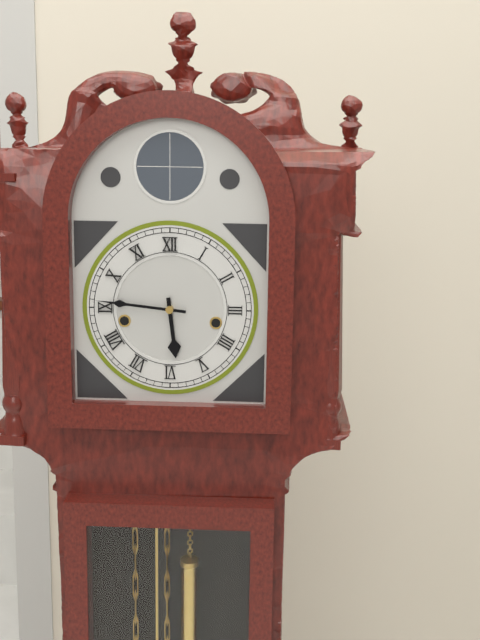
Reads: 5,46
